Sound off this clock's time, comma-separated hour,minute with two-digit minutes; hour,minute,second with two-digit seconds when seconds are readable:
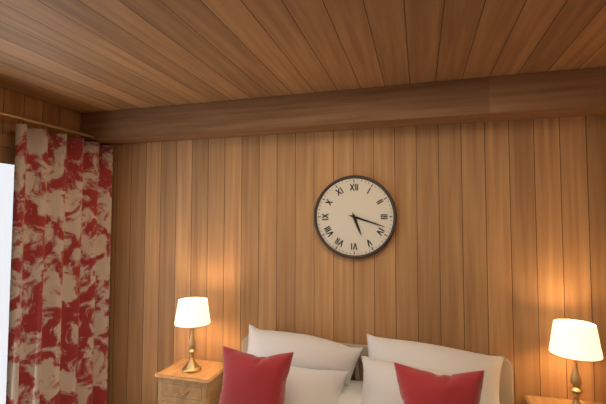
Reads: 5,18
